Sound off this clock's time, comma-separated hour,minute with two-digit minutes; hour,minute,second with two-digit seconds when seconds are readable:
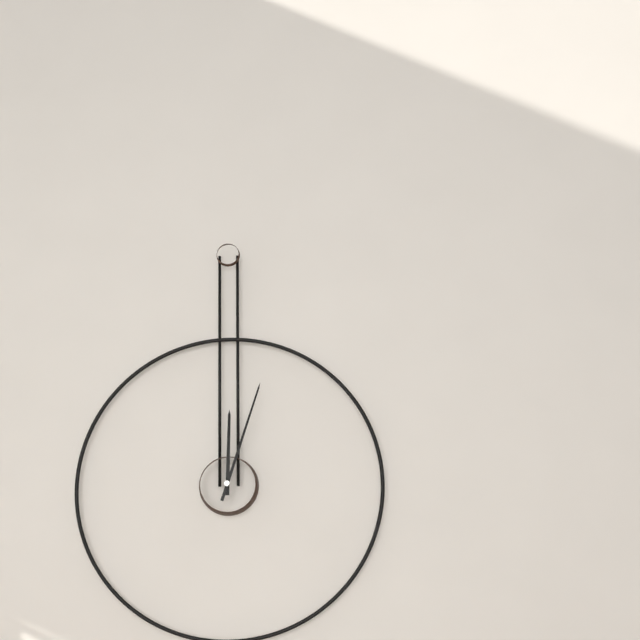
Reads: 12,03
